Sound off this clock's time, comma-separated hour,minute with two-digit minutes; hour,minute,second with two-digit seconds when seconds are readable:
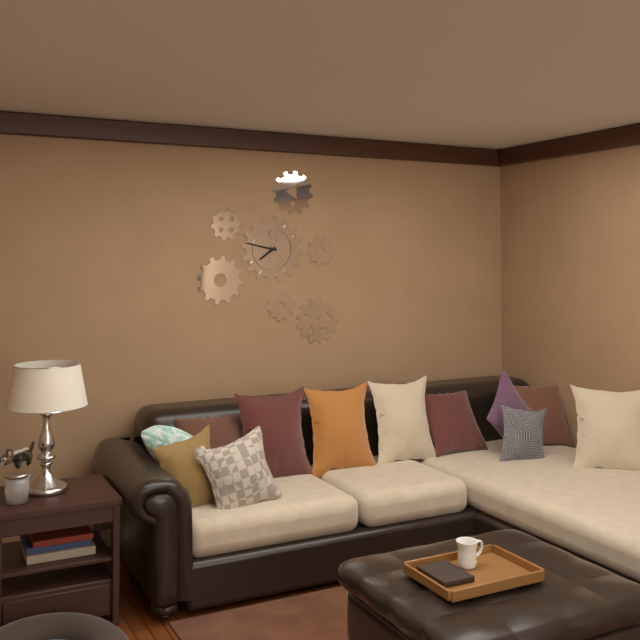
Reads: 7,47
